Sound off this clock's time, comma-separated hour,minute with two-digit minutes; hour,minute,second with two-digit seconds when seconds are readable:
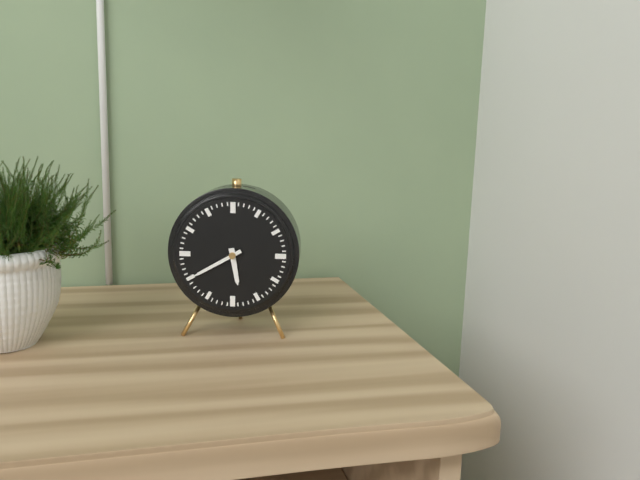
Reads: 5,40
